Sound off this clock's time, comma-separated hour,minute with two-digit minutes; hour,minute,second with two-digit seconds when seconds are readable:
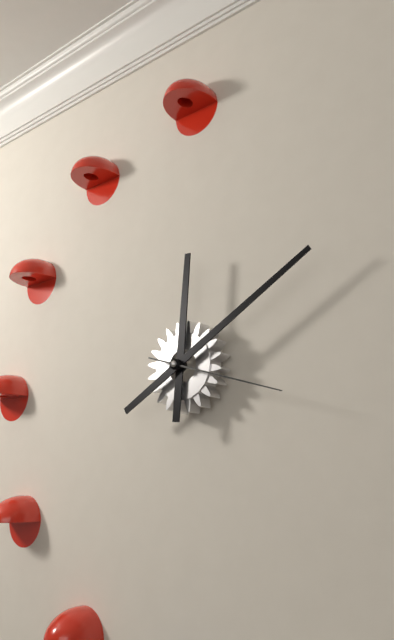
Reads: 12,10,18
